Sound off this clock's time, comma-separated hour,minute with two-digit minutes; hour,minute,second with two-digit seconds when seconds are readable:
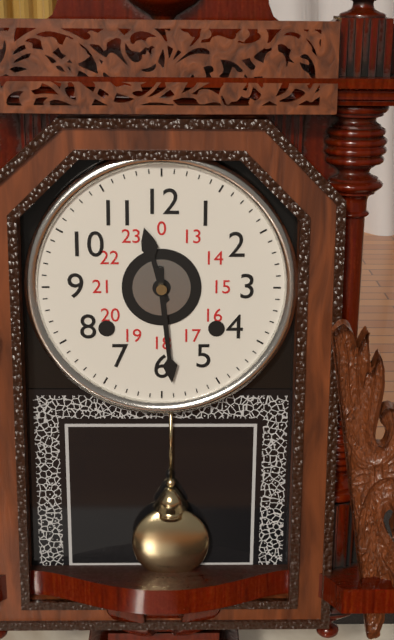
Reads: 11,29
